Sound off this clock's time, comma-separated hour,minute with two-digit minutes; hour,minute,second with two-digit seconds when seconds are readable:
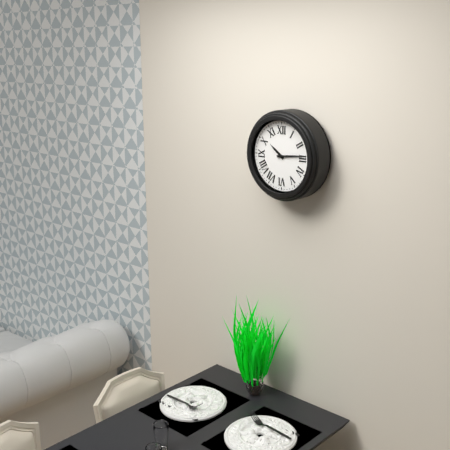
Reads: 10,14
